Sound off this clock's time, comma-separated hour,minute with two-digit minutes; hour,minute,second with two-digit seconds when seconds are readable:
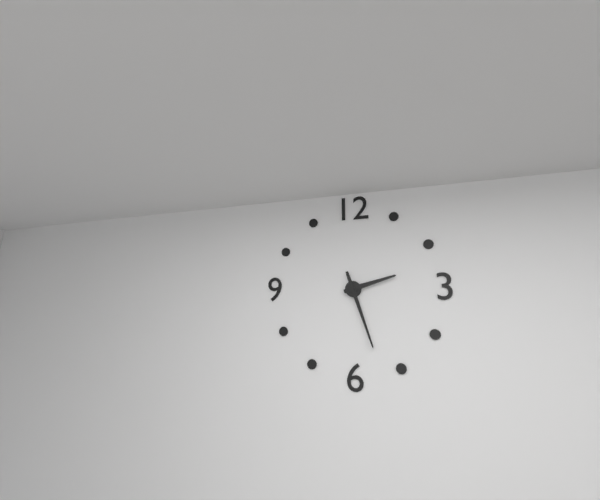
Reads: 2,27
